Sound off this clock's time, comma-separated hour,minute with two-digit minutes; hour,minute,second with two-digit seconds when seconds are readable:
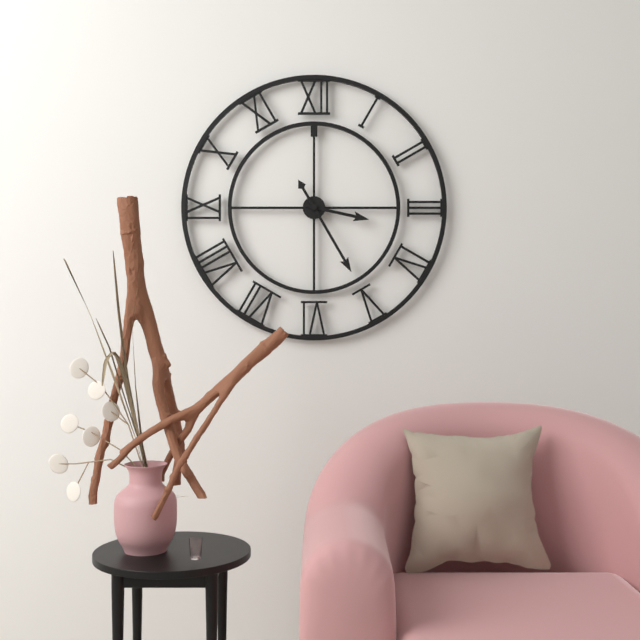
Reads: 3,25
